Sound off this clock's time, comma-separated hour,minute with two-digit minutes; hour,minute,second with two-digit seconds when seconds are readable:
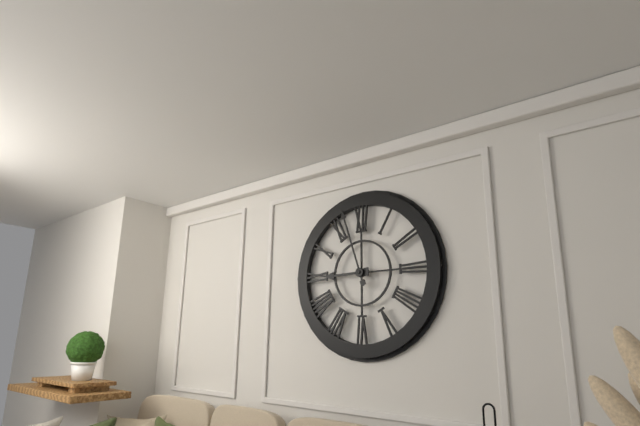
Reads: 8,57
